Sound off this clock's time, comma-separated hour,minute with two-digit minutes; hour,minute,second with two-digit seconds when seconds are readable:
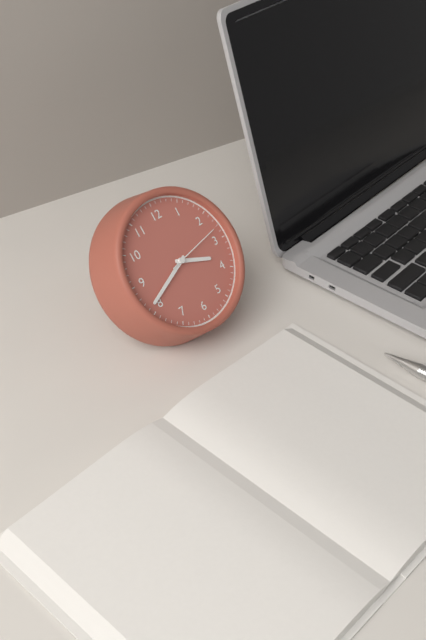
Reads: 3,41,13
